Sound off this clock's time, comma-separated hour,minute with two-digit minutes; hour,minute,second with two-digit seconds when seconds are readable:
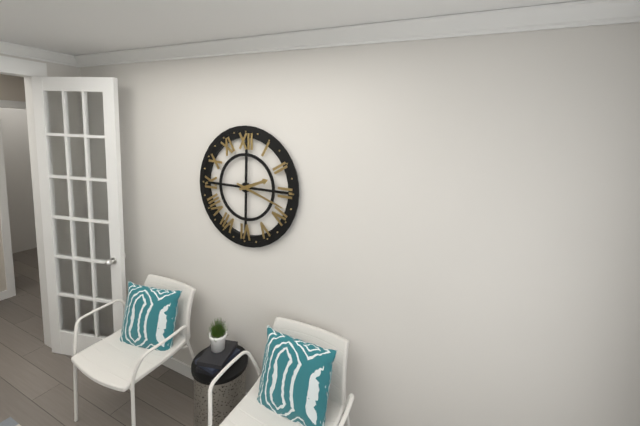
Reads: 2,18
